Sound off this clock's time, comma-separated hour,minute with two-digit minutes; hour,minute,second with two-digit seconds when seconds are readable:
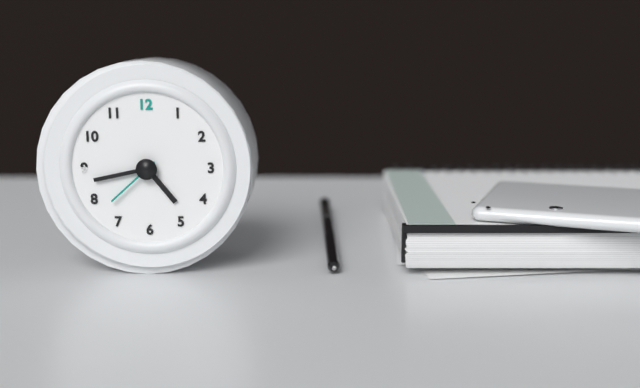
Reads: 4,43,38
